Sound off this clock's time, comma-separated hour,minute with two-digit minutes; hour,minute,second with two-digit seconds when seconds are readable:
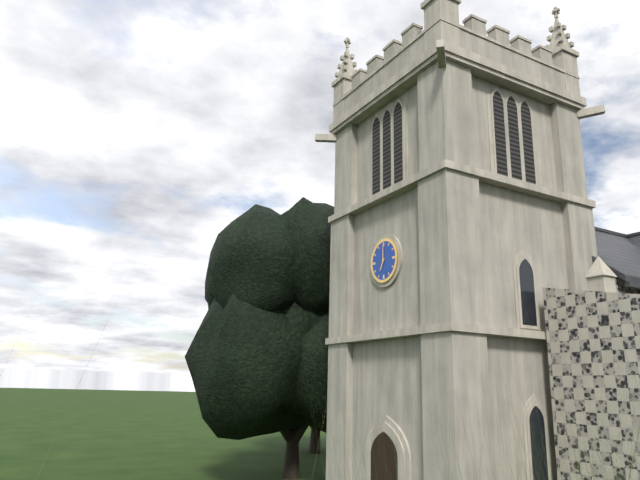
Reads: 7,00
